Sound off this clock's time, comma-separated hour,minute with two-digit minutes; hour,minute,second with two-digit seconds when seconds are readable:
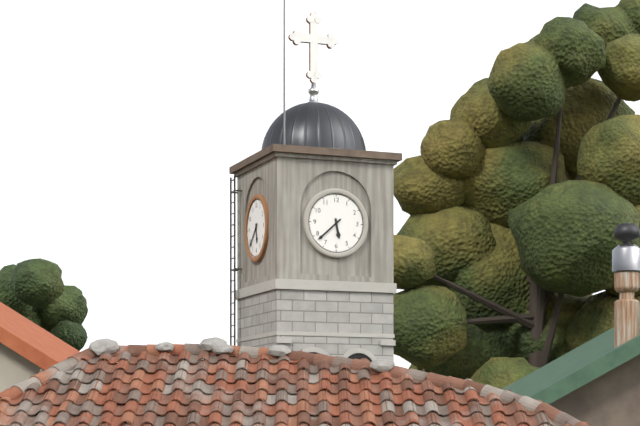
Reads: 5,38
